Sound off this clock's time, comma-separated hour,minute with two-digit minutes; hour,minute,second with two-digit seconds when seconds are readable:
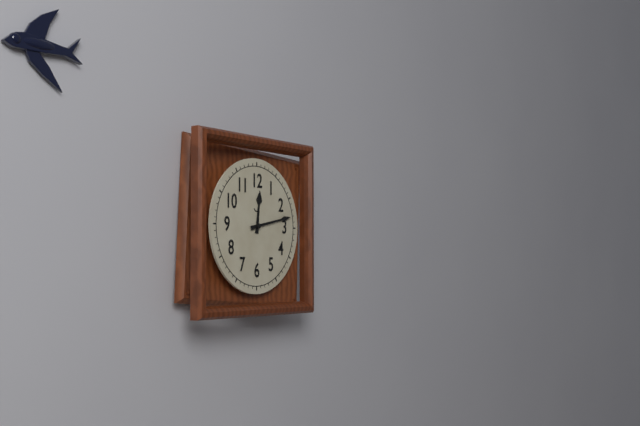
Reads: 12,13
